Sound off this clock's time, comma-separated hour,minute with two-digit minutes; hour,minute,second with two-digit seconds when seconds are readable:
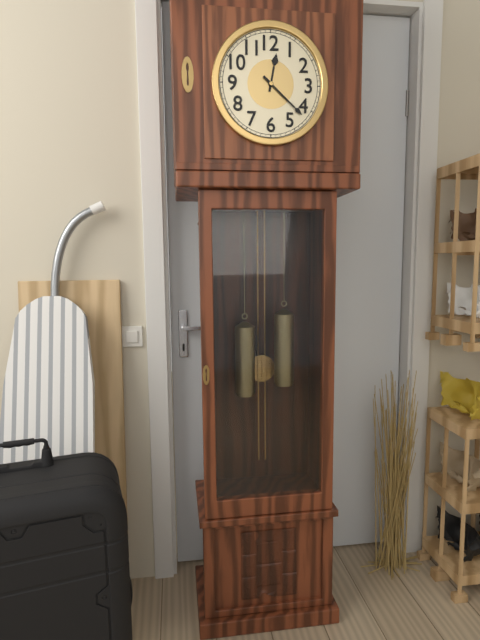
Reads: 12,22
